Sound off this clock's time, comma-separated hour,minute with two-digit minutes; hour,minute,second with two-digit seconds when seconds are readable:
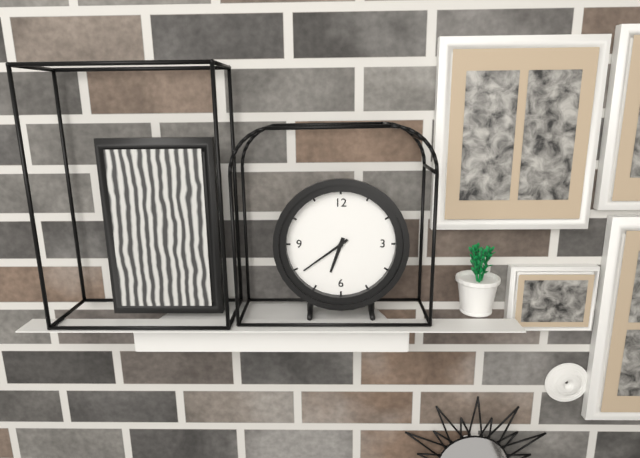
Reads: 6,39
